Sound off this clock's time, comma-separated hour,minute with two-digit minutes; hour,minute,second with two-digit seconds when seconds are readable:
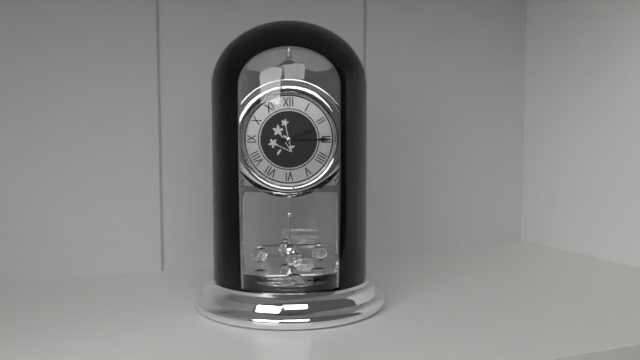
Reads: 2,15
